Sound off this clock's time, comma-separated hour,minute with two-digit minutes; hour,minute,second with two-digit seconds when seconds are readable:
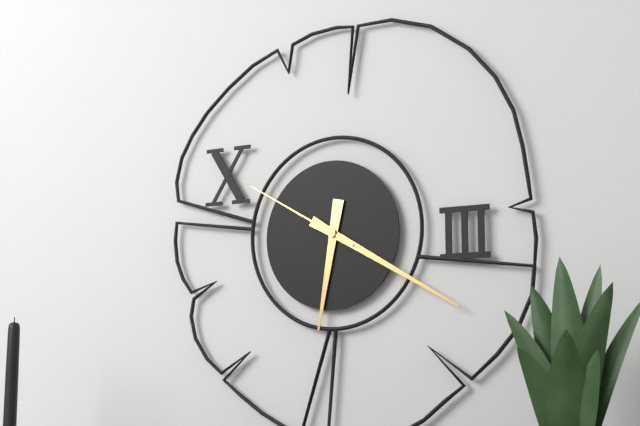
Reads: 6,20,50
